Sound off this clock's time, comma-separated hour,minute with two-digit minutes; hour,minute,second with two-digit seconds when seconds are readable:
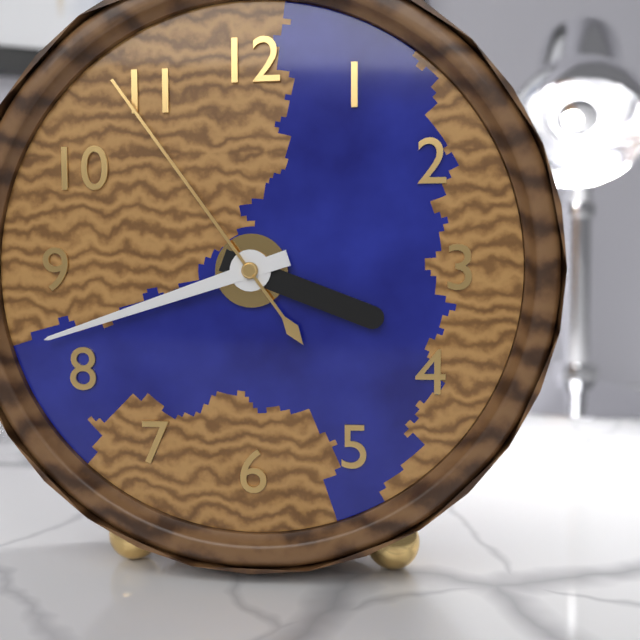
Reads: 3,42,54
